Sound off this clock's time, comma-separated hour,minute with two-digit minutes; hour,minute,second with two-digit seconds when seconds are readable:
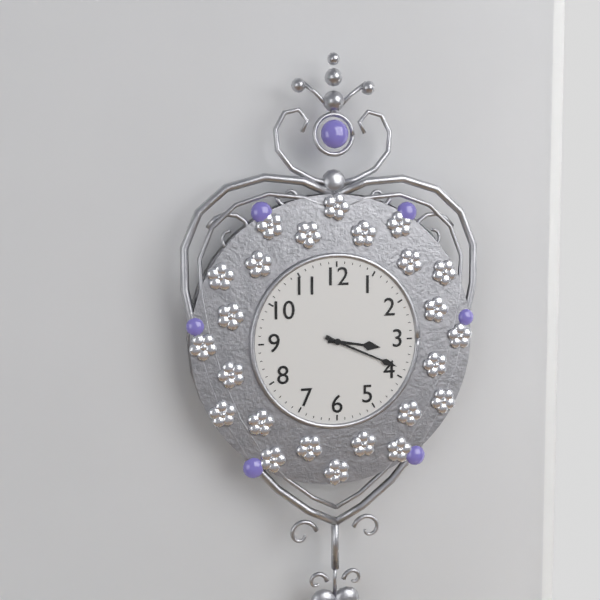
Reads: 3,19
